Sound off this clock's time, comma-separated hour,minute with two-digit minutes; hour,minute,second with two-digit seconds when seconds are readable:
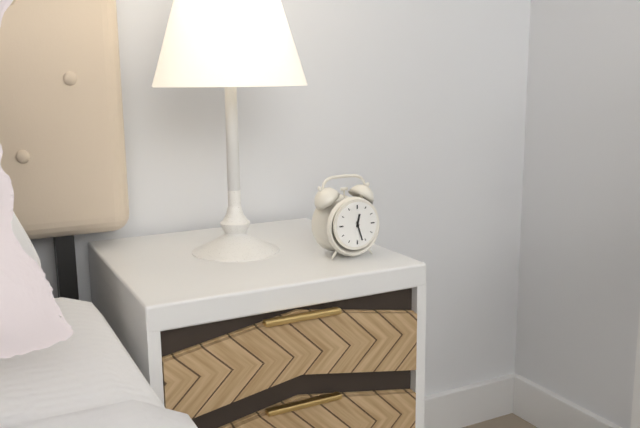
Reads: 12,27
